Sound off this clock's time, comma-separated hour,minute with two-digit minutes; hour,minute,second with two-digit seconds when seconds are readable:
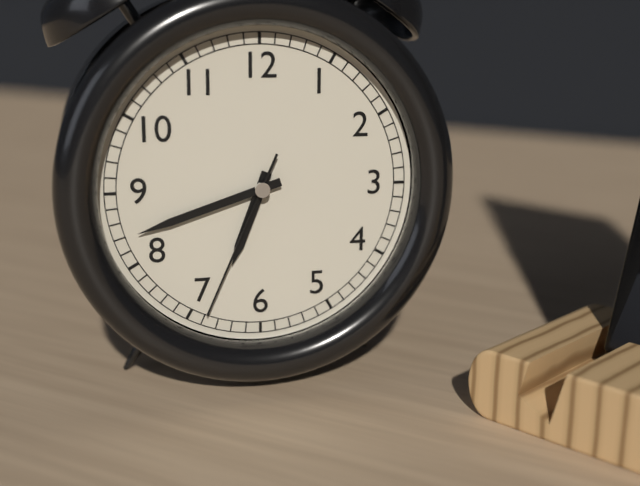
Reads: 6,42,34
